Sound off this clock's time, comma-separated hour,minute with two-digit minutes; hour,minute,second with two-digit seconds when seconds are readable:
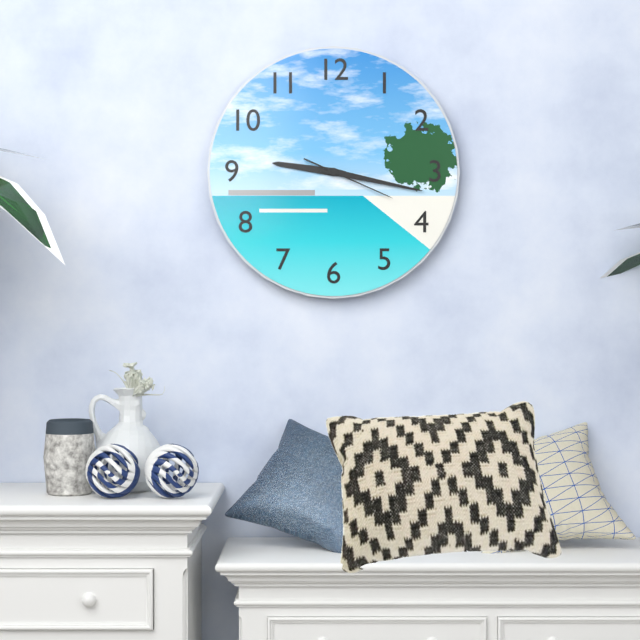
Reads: 9,17,19
